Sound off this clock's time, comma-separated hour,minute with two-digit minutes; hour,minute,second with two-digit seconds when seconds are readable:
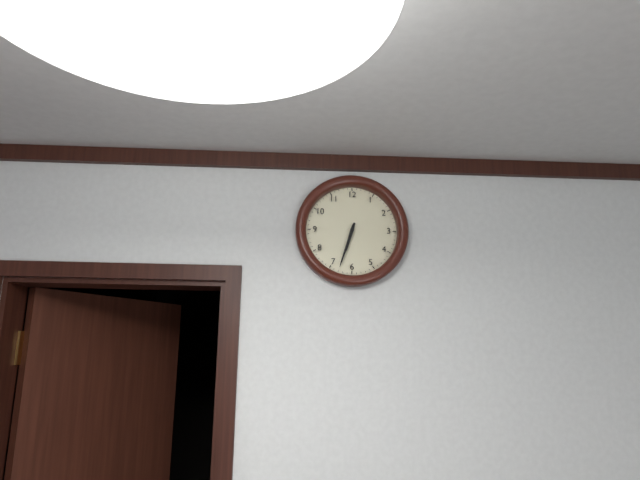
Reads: 6,33
